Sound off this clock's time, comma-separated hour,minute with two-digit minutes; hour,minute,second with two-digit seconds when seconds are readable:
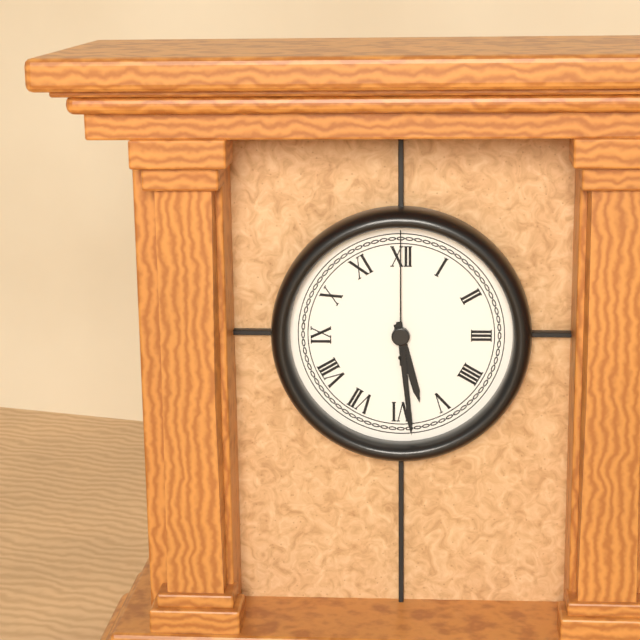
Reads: 5,29,00
